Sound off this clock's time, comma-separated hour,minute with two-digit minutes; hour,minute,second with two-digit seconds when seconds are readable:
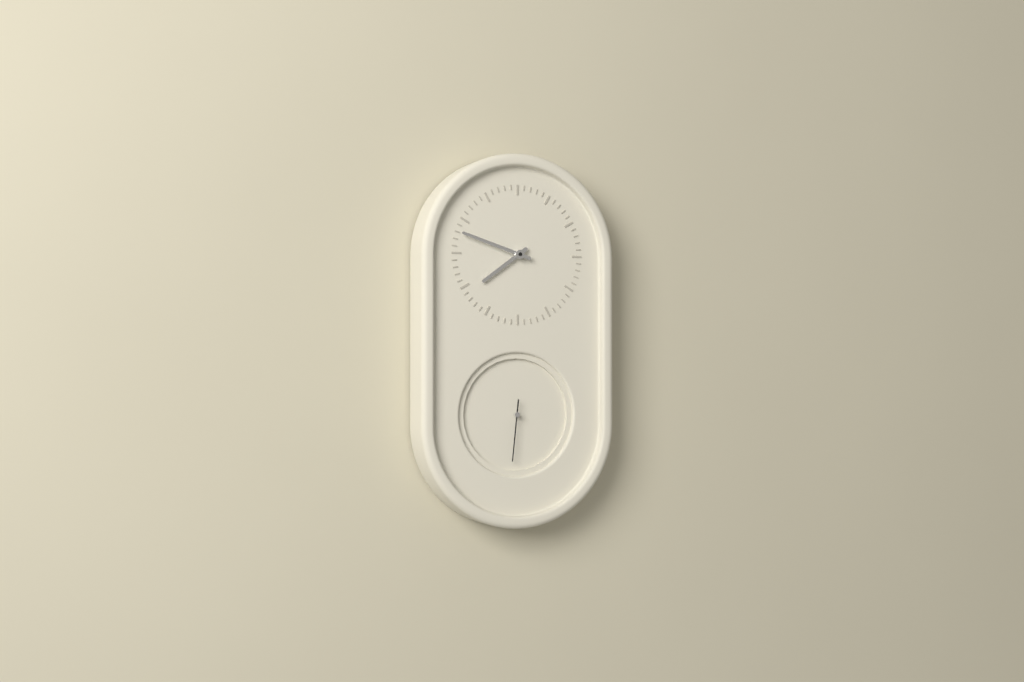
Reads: 7,48,31
